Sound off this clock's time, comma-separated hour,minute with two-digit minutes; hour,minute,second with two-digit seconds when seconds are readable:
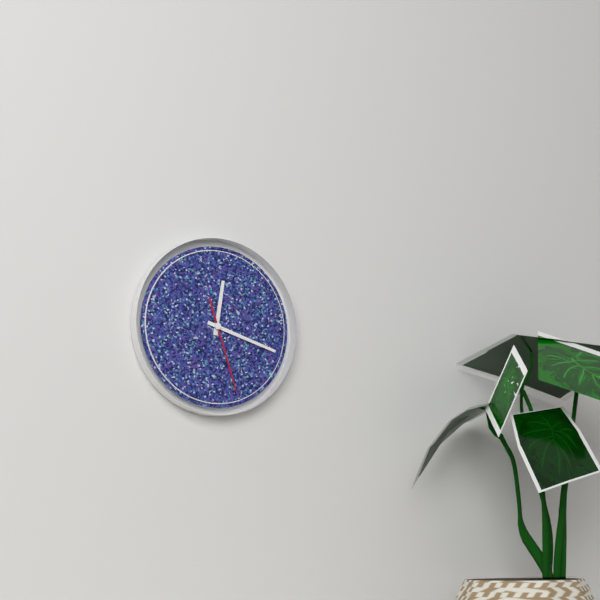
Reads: 12,18,27
